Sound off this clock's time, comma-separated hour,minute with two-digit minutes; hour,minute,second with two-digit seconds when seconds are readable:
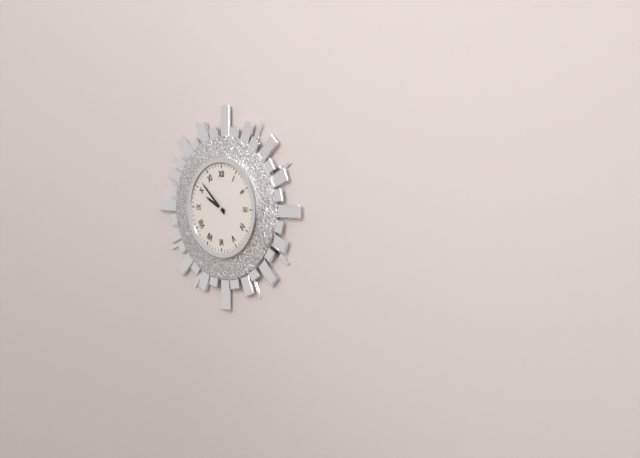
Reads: 9,52
